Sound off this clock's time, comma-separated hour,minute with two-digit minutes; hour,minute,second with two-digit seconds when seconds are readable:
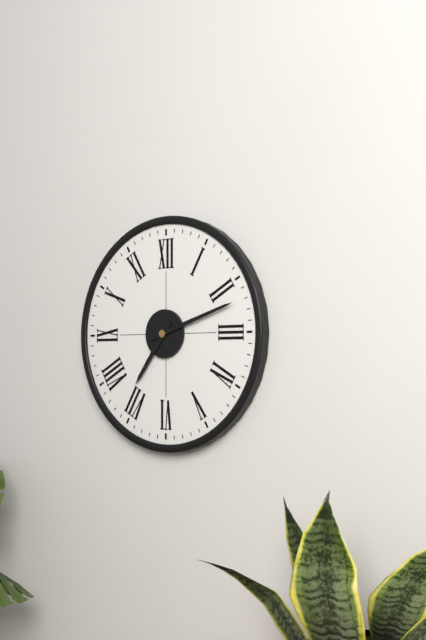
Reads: 7,12
